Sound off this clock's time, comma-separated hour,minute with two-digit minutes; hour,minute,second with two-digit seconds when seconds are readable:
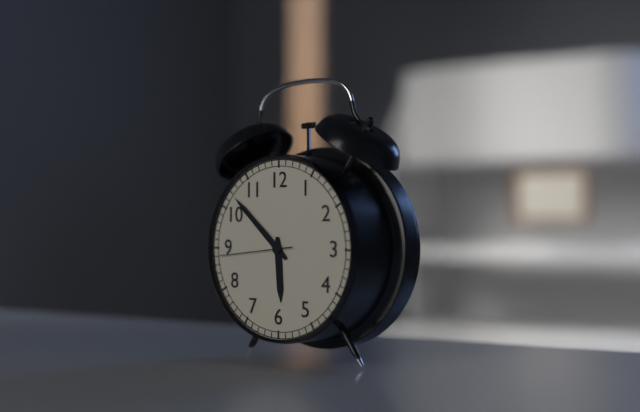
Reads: 5,52,44
